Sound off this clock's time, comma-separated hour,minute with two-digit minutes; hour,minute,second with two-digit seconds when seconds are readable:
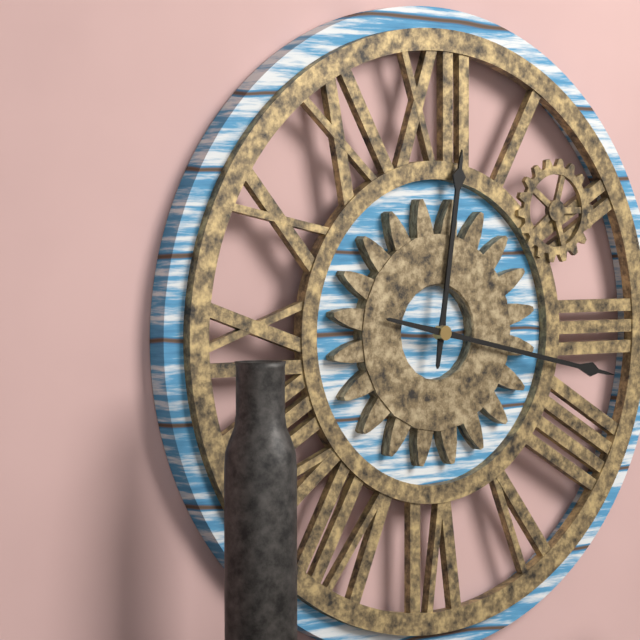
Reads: 12,17
